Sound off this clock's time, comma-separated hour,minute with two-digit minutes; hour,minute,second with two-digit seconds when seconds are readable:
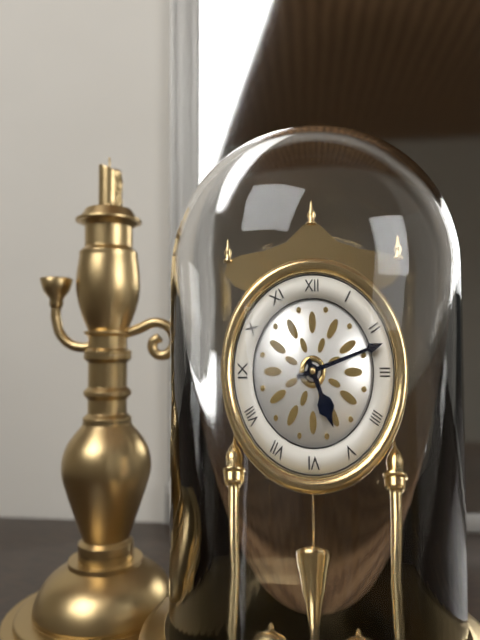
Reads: 5,12
